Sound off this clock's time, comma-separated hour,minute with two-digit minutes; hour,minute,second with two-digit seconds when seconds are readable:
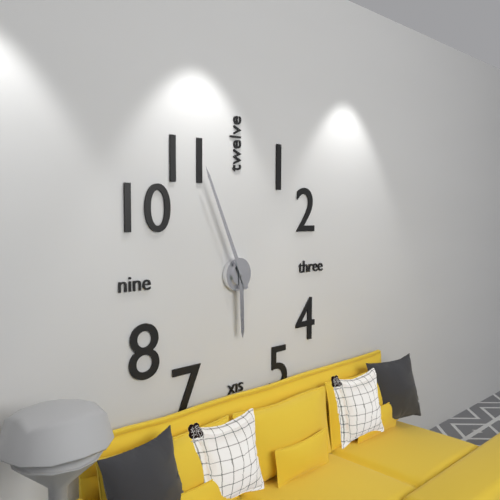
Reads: 5,56
